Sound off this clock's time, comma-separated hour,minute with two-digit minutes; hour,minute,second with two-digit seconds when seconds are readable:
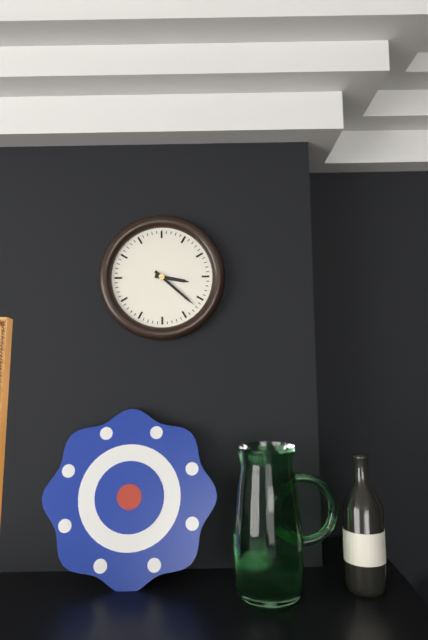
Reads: 3,22
